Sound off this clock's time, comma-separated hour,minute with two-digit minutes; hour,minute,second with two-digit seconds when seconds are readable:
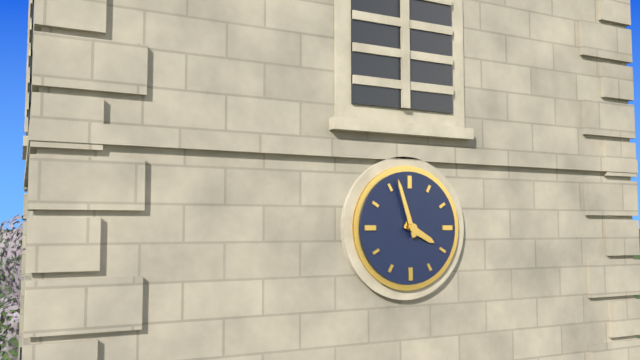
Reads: 3,57
